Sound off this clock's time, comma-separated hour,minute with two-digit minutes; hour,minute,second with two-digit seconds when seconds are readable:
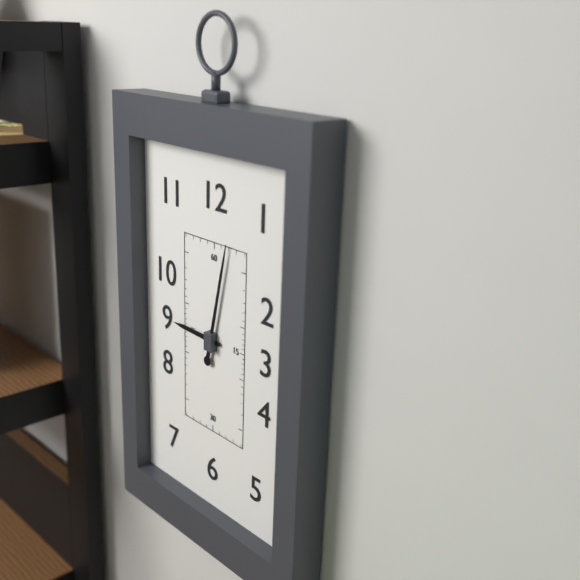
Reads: 9,02
